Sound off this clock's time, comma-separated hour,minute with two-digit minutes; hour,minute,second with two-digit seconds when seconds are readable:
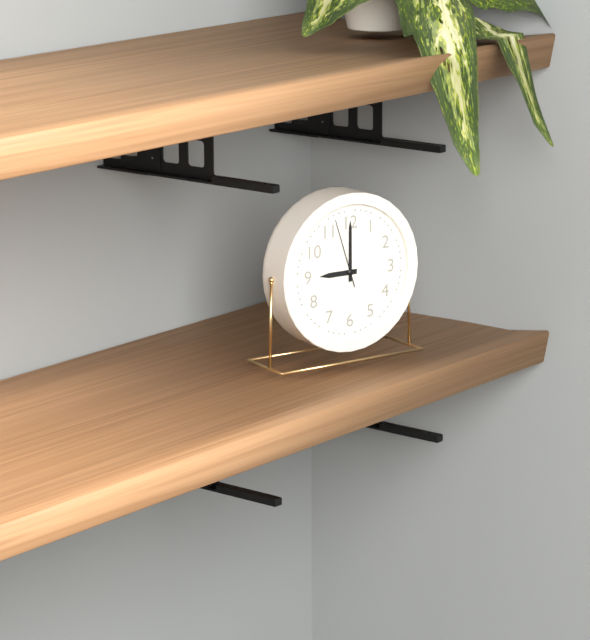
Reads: 9,00,57
